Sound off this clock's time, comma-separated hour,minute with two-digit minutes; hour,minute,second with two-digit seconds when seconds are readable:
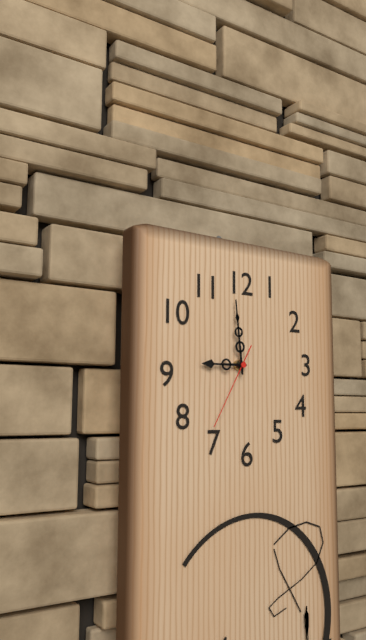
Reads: 8,59,35
